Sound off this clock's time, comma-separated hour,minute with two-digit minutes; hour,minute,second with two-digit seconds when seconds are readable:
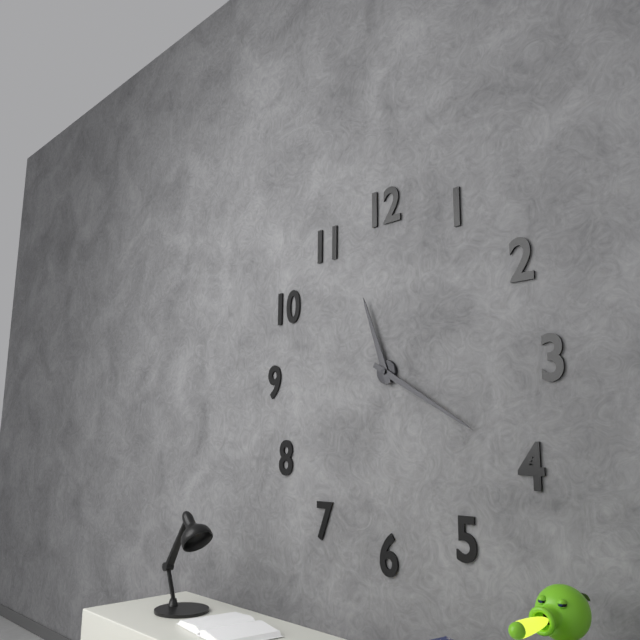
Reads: 11,20
